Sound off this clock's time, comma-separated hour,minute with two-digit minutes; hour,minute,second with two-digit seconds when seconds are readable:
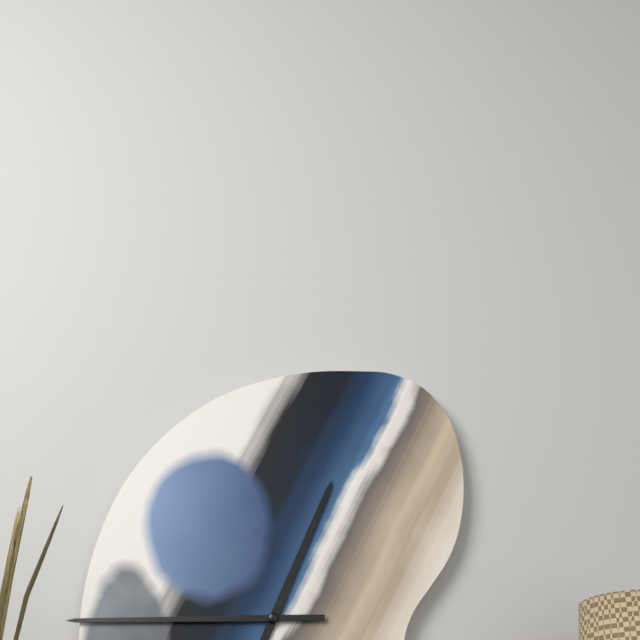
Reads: 12,45
